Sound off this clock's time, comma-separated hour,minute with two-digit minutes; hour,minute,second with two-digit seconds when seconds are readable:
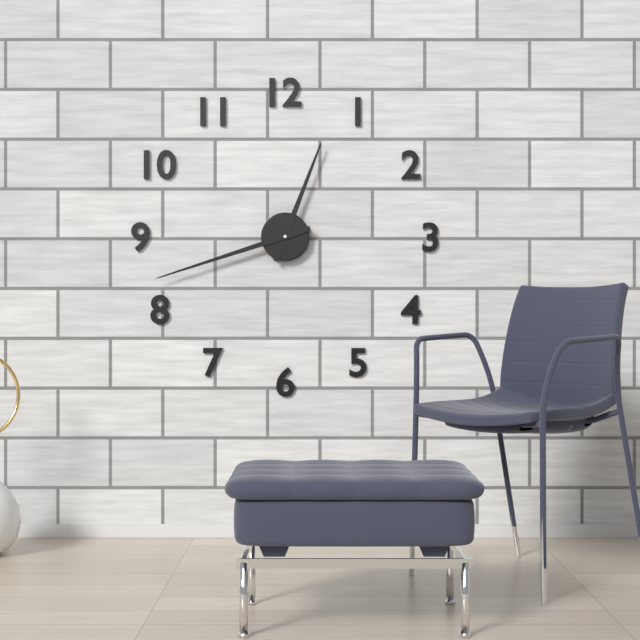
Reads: 12,42
